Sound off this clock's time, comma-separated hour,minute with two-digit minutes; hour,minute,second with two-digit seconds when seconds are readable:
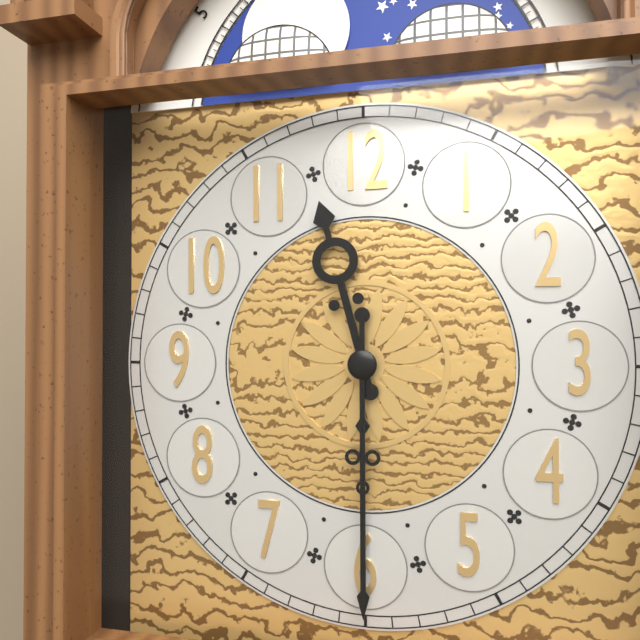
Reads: 11,30
